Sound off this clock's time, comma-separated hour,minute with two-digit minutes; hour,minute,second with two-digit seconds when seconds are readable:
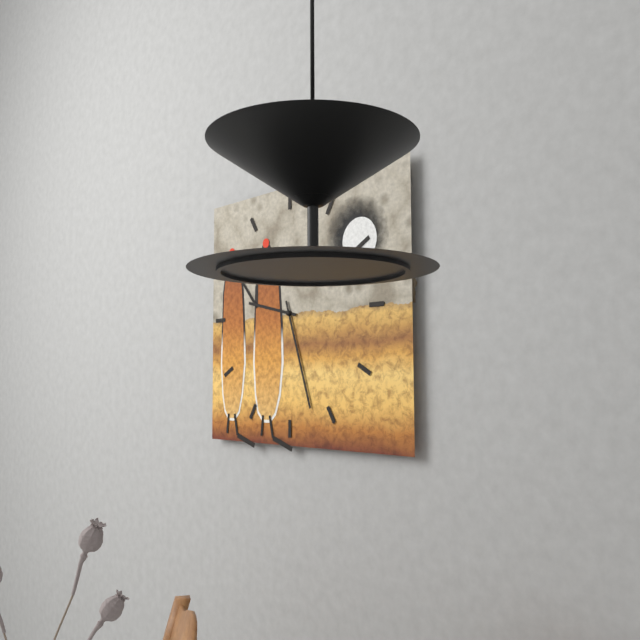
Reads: 9,27
